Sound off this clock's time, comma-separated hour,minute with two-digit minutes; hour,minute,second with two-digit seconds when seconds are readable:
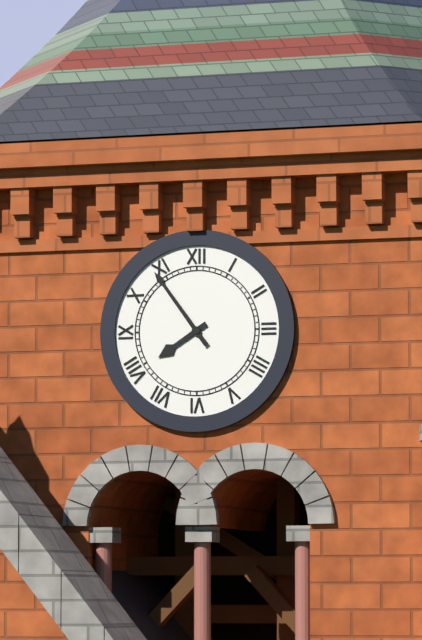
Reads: 7,54
